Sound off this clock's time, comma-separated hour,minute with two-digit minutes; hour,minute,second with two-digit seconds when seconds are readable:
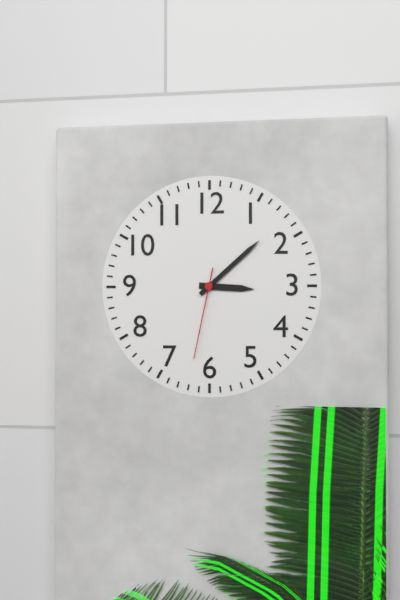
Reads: 3,08,32
